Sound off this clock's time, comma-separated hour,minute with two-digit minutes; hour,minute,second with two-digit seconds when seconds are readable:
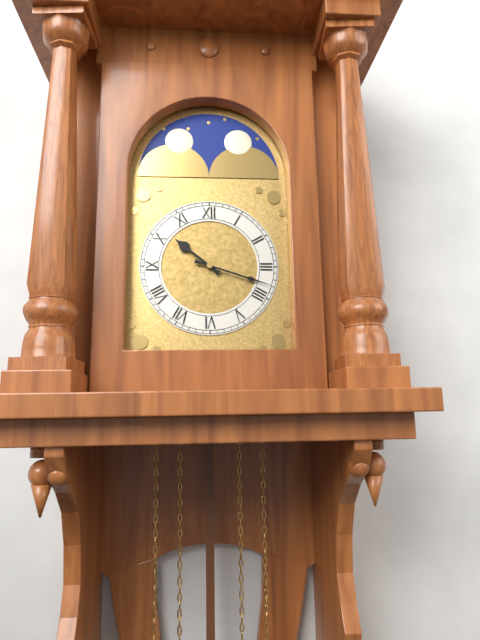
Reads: 10,18
